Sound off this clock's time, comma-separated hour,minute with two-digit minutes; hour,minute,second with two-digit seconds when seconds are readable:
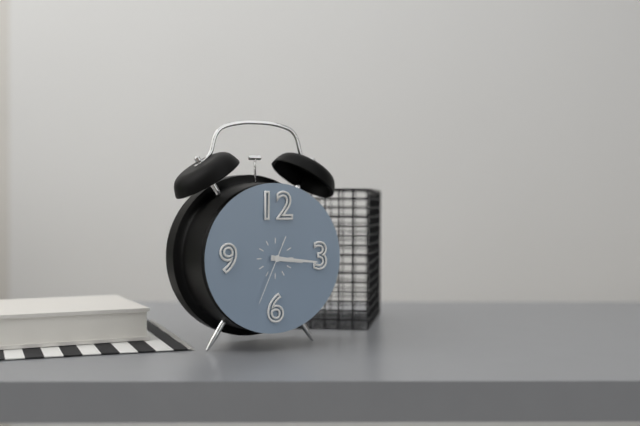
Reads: 3,16,34
